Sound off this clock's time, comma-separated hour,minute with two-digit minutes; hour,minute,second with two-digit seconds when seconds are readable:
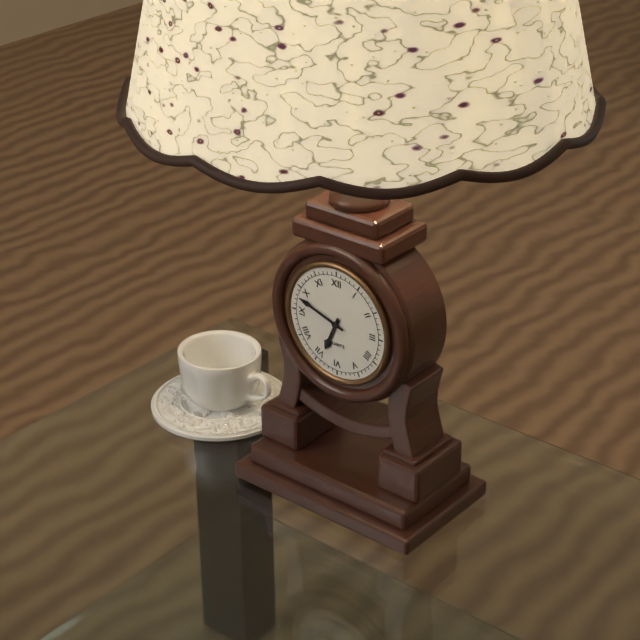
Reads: 6,48
